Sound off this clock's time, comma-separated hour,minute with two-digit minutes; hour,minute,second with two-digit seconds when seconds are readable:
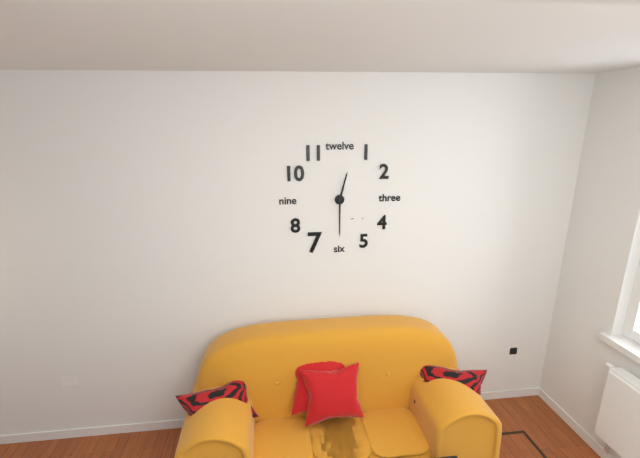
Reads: 12,30
